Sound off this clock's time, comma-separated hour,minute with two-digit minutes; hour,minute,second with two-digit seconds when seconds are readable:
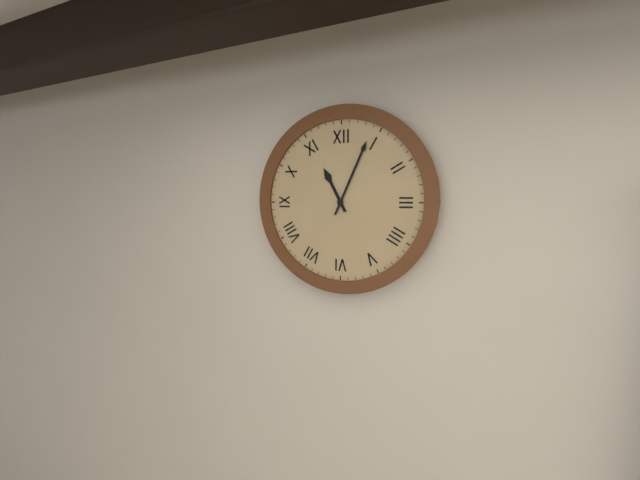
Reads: 11,04
